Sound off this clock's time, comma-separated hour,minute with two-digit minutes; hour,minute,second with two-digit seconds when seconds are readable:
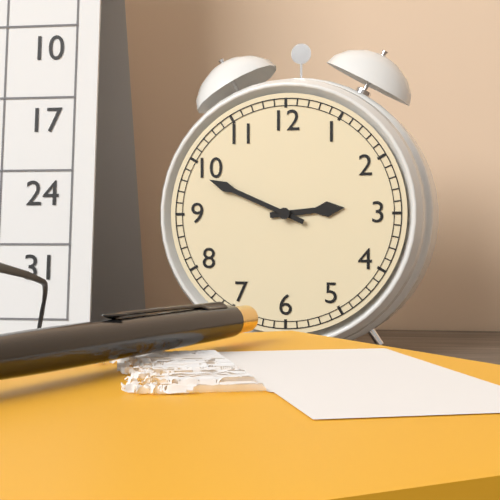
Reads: 2,49
